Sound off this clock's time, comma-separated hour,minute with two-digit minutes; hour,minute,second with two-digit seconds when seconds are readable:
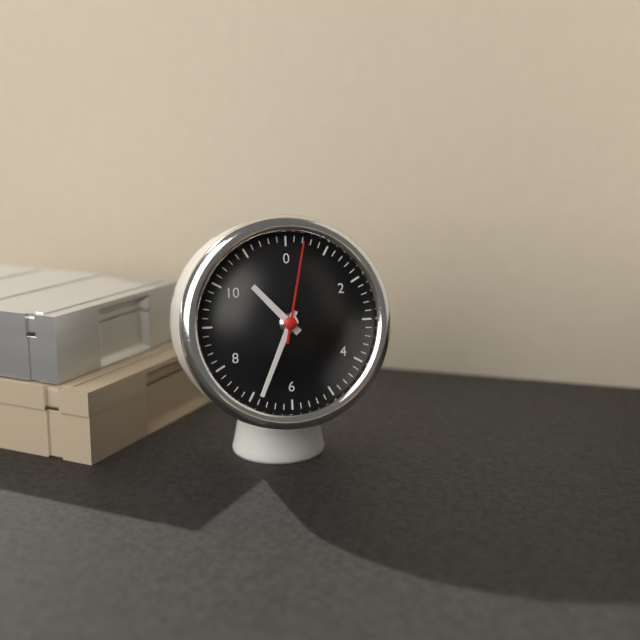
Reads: 10,34,02
